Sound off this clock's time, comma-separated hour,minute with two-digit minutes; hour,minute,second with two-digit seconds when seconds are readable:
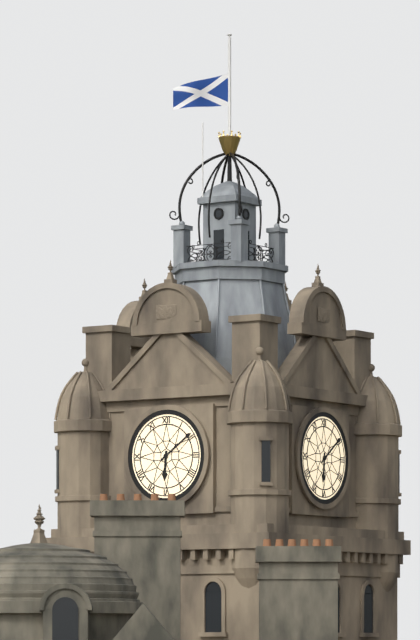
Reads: 6,09
